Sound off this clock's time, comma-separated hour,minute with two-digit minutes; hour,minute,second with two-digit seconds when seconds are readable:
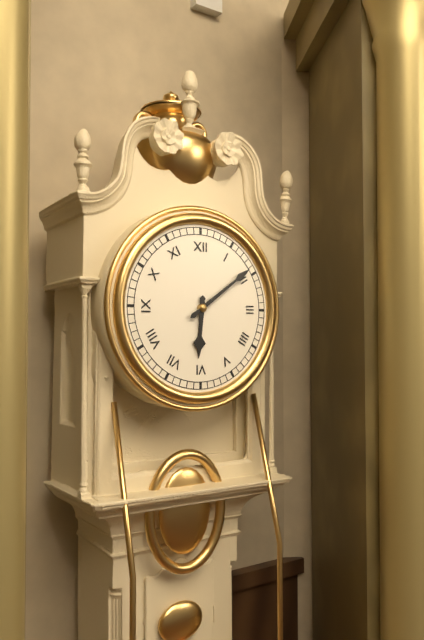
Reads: 6,09
